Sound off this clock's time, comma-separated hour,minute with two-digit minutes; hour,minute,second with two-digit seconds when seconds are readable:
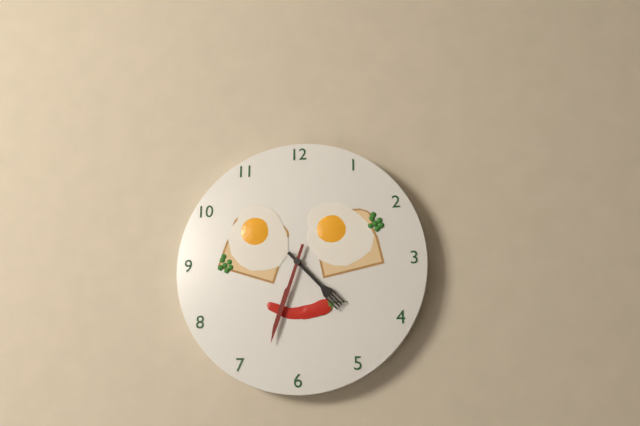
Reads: 4,33
